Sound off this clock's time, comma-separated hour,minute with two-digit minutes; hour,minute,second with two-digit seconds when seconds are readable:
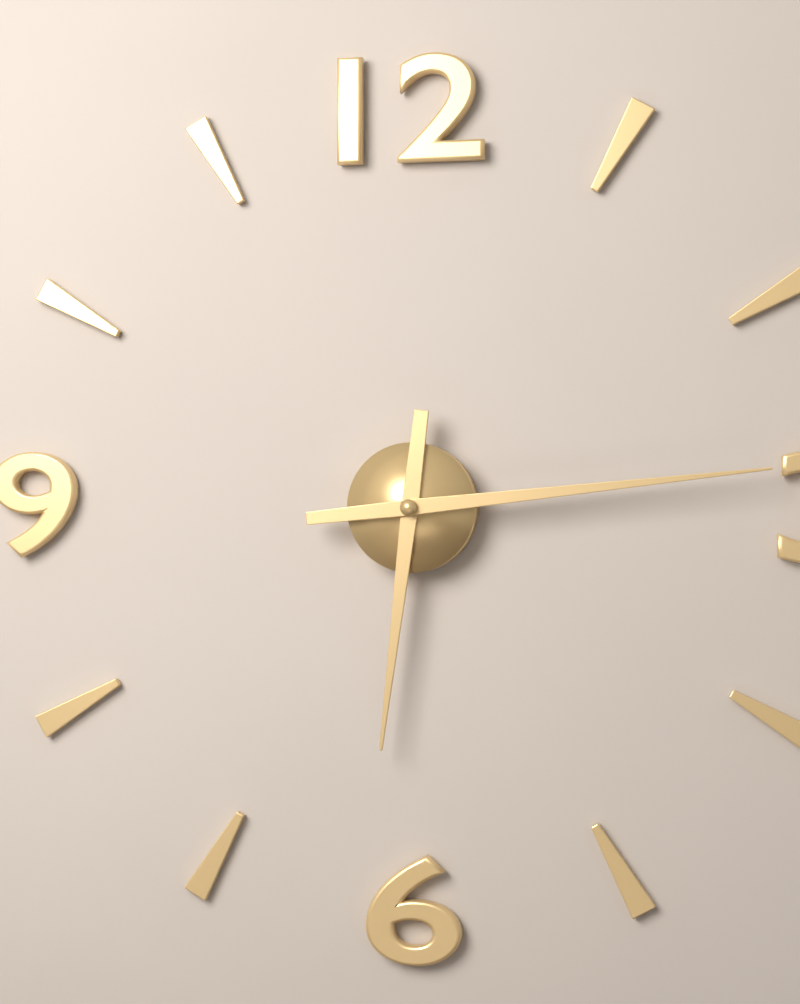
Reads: 6,14
